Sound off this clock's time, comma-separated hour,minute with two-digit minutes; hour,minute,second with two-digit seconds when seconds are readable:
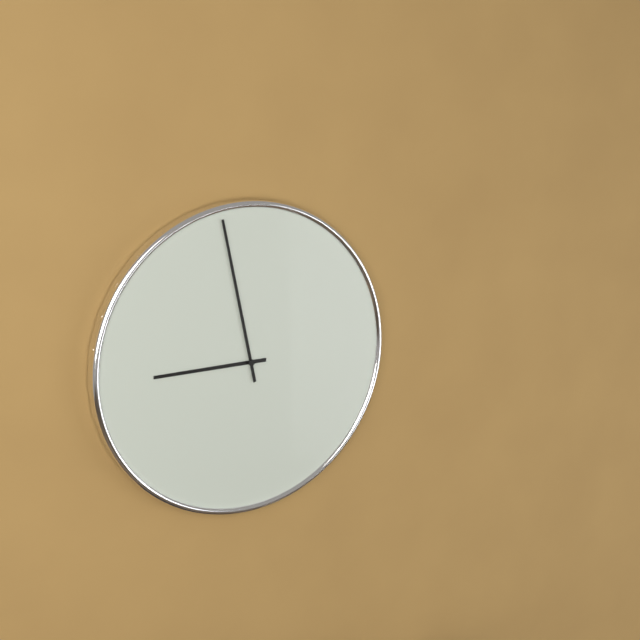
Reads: 8,58
